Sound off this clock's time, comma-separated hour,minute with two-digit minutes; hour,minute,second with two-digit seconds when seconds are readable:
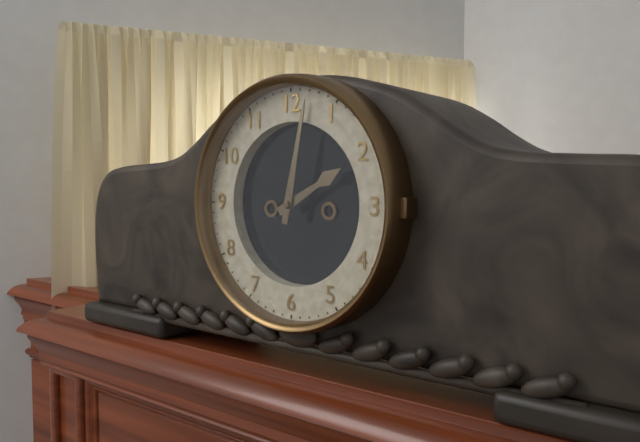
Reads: 2,02
